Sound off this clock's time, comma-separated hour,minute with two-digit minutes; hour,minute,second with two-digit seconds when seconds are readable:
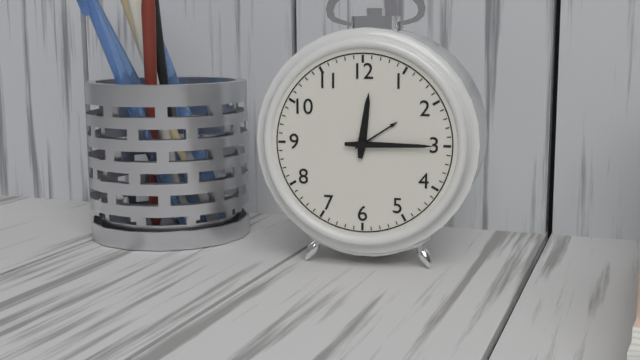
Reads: 12,15
